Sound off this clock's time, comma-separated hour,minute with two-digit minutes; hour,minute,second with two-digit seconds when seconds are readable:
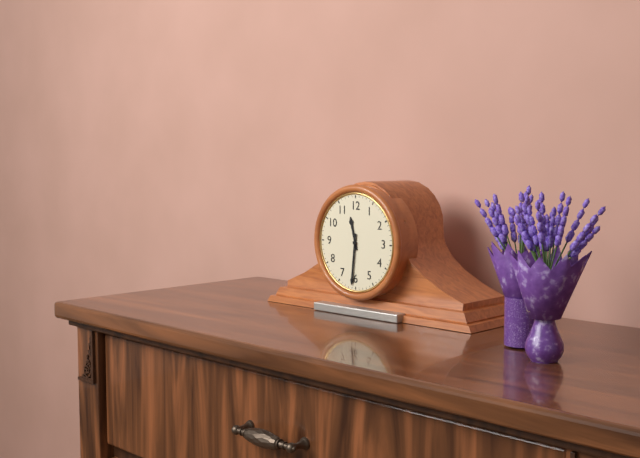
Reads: 11,31
